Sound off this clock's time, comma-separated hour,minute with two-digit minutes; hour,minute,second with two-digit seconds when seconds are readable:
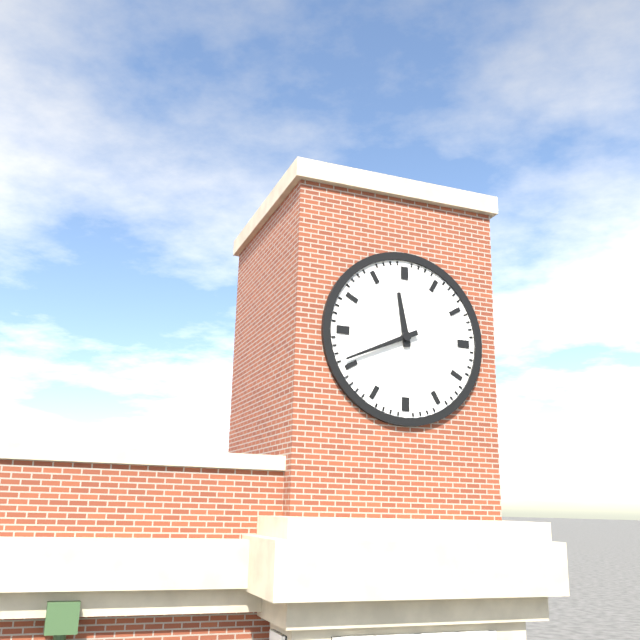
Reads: 11,41
